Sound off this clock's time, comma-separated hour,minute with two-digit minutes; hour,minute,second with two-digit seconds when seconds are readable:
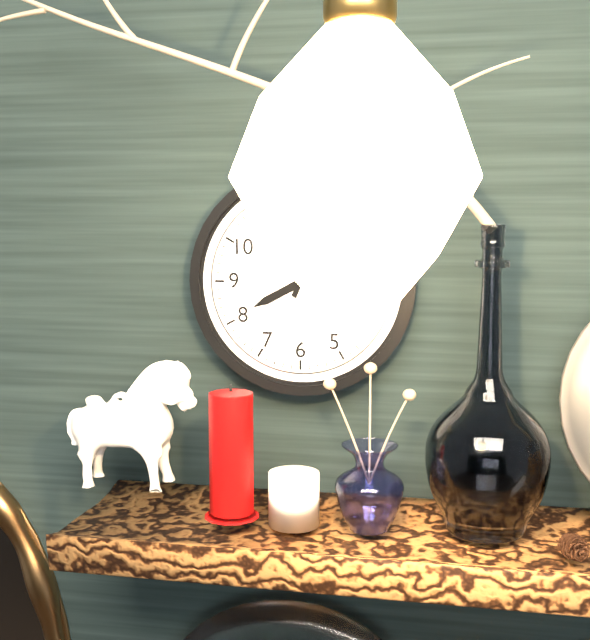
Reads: 8,04
